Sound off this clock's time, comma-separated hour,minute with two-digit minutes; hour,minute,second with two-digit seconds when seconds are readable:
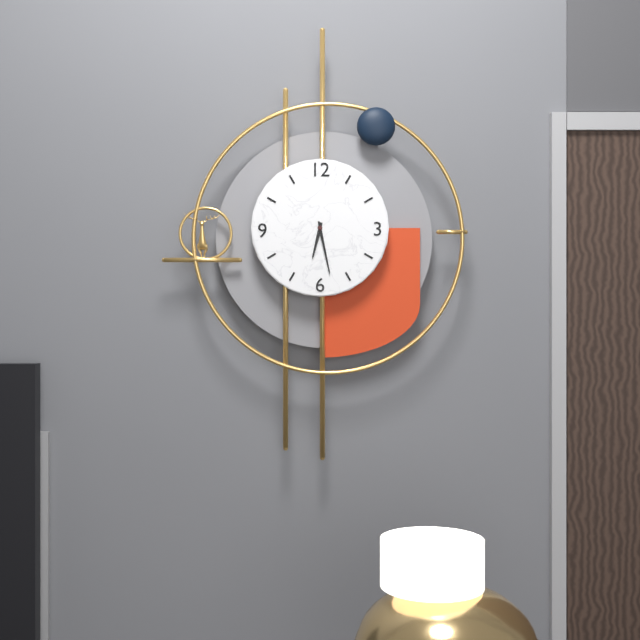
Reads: 6,28
